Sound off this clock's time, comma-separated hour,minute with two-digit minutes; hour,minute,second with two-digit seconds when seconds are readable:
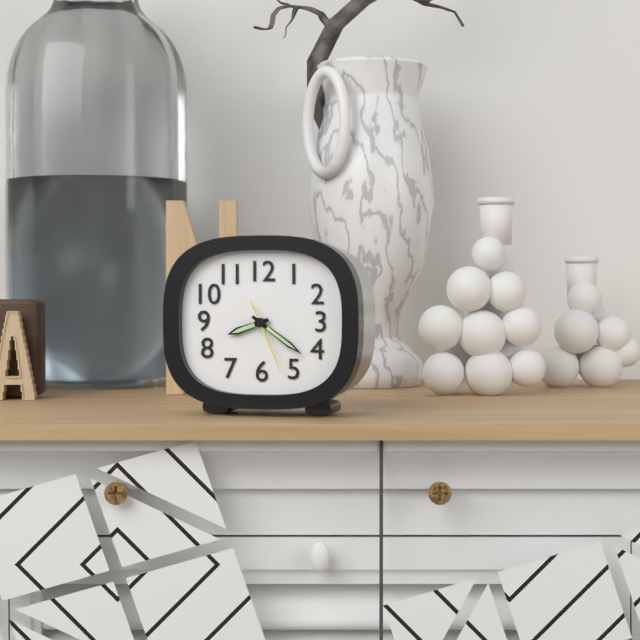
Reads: 8,21,26
